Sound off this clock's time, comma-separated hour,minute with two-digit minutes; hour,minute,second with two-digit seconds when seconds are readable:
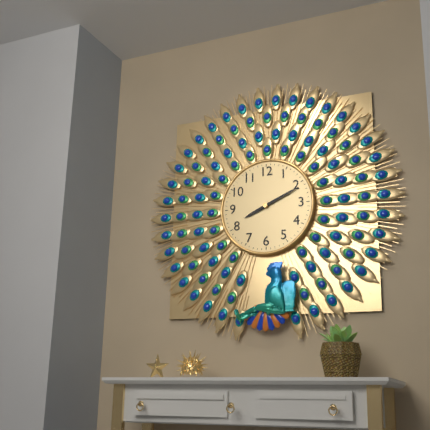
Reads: 8,11
